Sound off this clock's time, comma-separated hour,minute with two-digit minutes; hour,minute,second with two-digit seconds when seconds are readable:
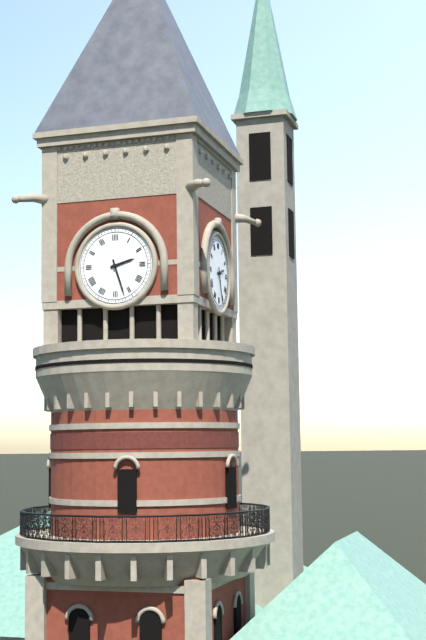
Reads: 2,27
